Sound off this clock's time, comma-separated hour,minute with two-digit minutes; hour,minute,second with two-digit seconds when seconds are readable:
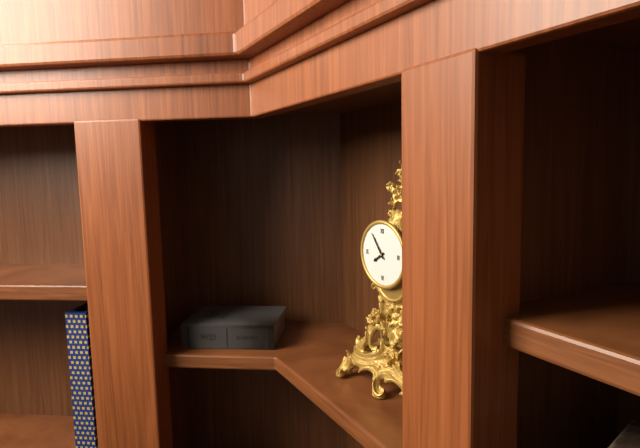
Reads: 7,54
